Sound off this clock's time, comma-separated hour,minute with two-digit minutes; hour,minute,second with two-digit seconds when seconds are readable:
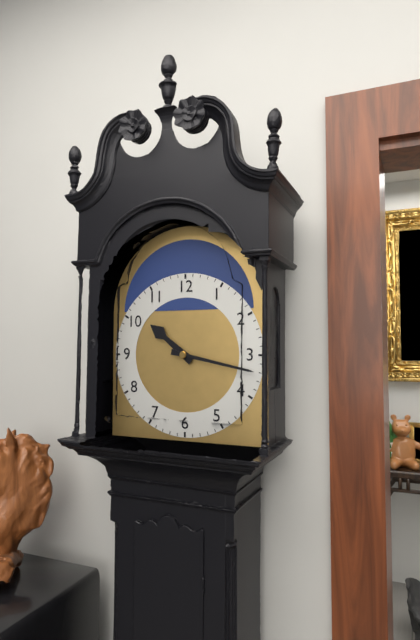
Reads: 10,17
